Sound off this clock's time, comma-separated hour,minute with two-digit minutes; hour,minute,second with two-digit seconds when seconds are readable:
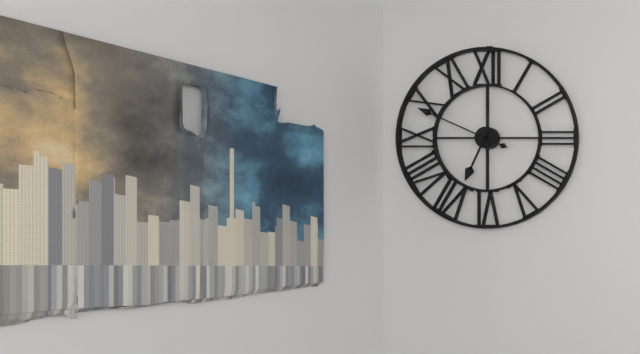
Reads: 6,49
